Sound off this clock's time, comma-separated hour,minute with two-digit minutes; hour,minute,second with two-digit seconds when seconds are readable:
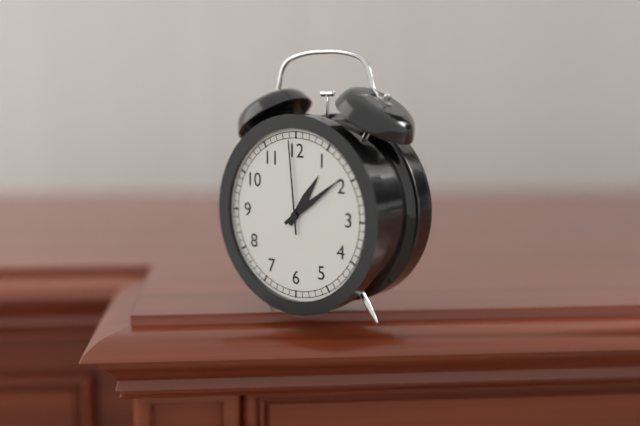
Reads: 1,09,59
